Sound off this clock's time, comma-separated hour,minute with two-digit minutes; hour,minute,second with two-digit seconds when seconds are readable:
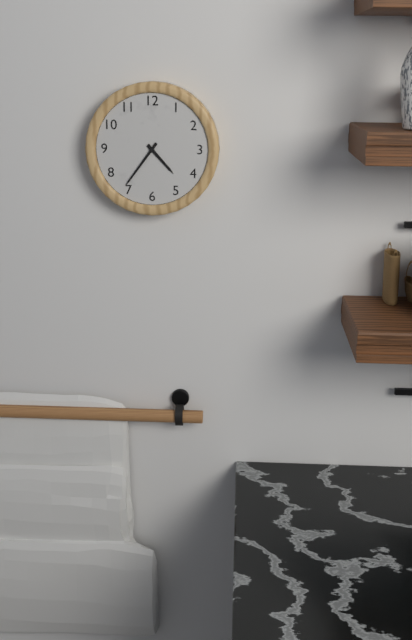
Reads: 4,36
